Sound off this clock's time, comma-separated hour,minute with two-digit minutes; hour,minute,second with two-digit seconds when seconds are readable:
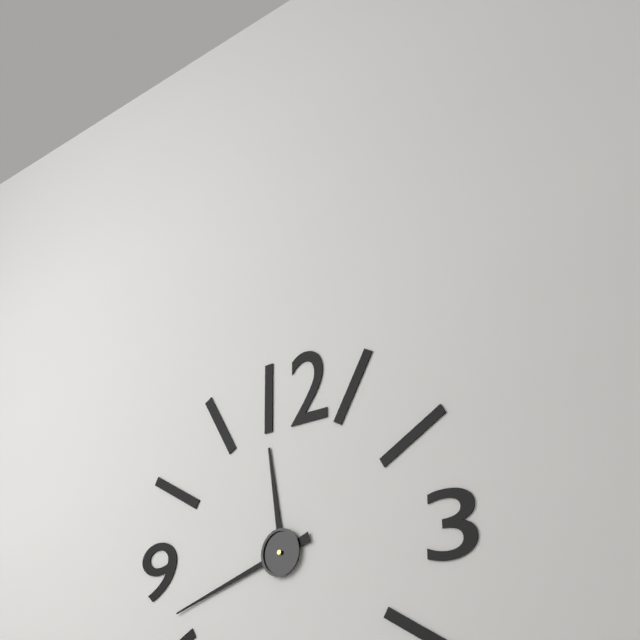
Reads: 11,42
